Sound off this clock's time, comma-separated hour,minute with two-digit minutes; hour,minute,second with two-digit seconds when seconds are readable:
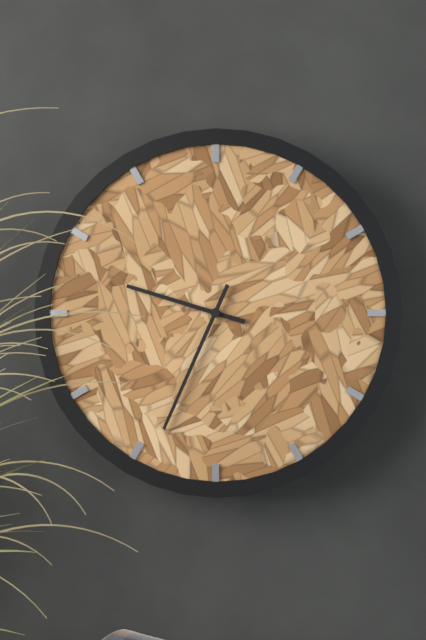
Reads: 9,34
